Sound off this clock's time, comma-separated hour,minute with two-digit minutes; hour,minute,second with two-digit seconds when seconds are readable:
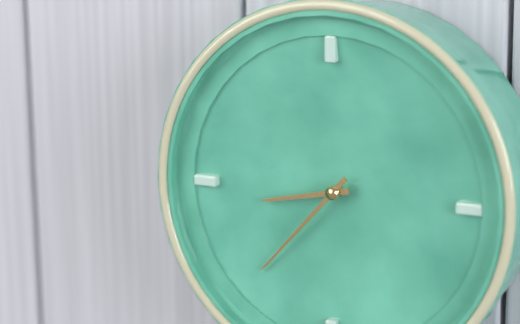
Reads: 8,37
